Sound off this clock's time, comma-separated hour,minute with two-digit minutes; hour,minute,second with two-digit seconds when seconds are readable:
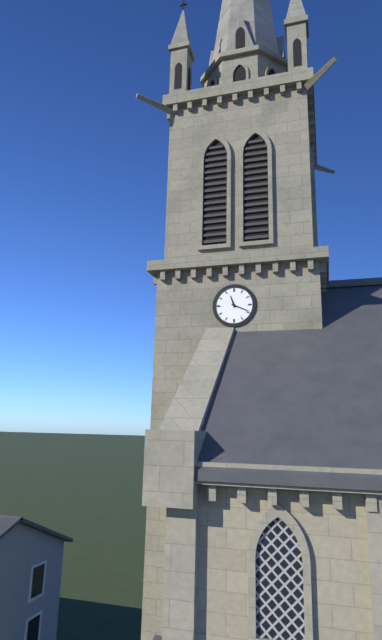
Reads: 11,19
